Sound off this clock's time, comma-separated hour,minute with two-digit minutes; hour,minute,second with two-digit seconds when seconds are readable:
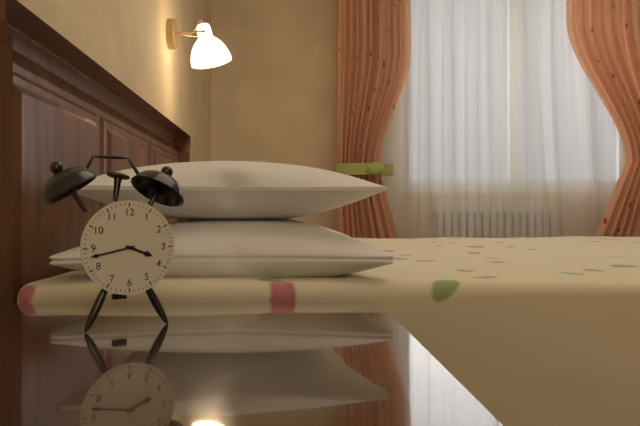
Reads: 3,43
